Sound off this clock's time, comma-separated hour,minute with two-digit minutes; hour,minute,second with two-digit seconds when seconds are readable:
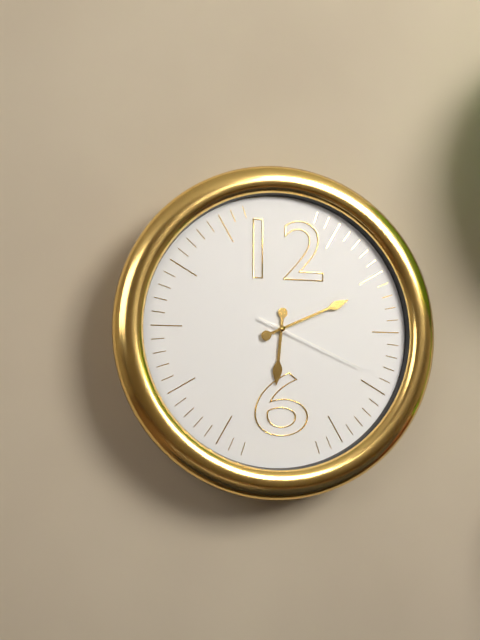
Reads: 6,11,19
